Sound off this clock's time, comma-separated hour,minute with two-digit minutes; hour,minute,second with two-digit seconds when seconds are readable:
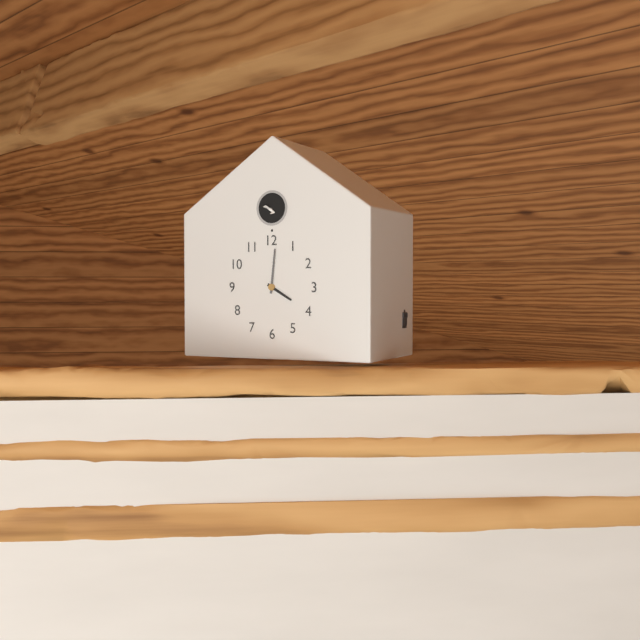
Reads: 4,01
